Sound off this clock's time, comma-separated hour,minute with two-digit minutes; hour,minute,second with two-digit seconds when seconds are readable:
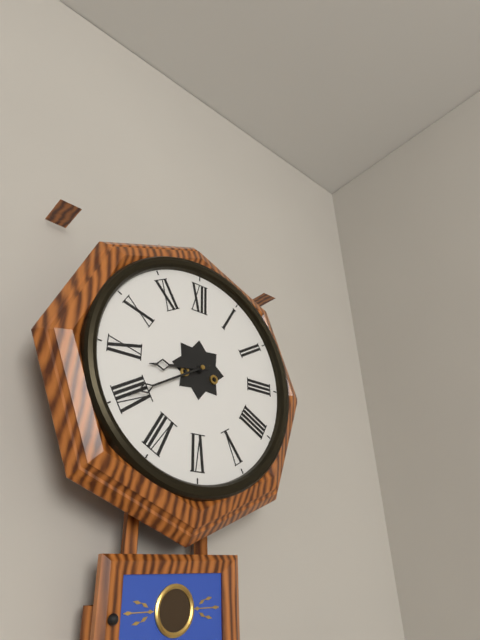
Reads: 8,40
